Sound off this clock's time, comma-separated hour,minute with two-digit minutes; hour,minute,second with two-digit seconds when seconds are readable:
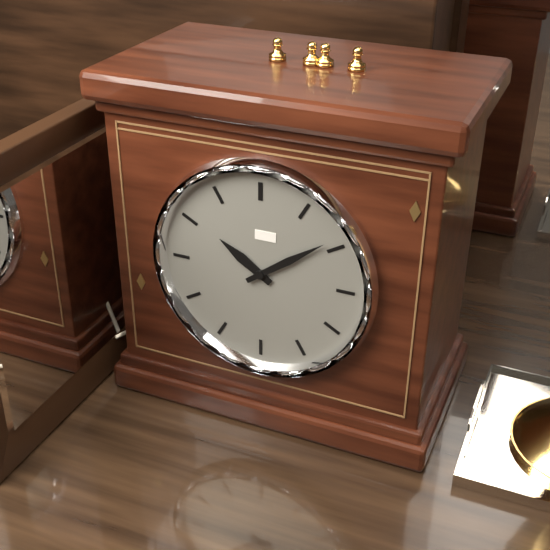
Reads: 10,09
